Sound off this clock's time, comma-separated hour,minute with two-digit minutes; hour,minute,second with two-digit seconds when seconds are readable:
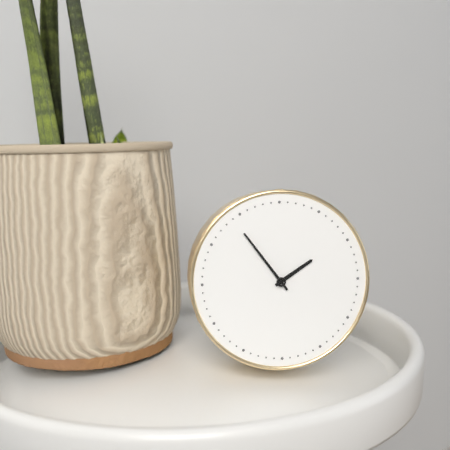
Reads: 1,54
